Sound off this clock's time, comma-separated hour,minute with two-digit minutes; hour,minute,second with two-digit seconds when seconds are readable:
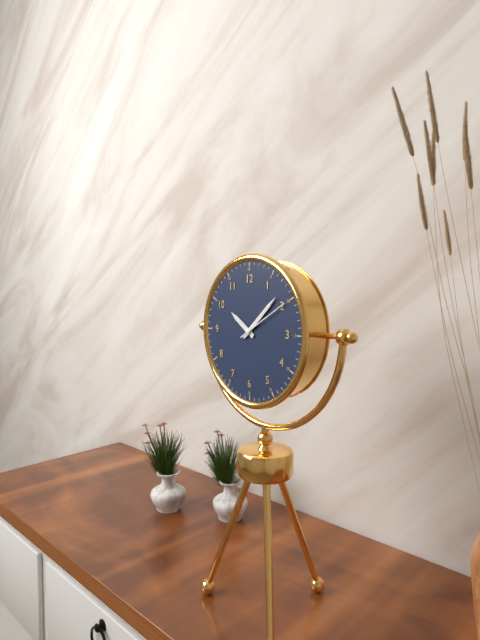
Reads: 10,08,10
